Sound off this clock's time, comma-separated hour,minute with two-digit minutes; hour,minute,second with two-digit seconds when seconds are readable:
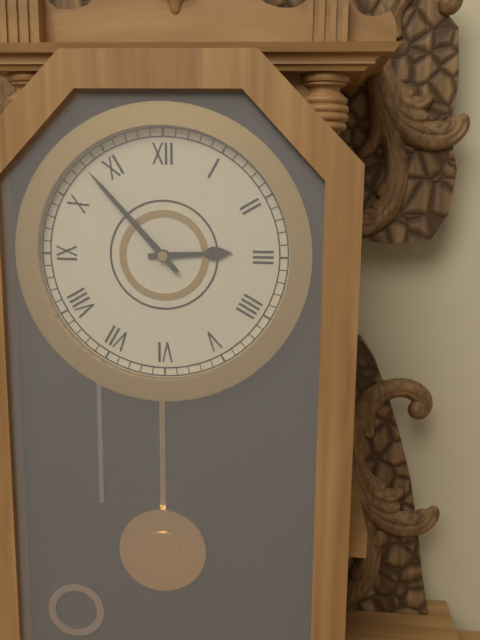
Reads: 2,53
